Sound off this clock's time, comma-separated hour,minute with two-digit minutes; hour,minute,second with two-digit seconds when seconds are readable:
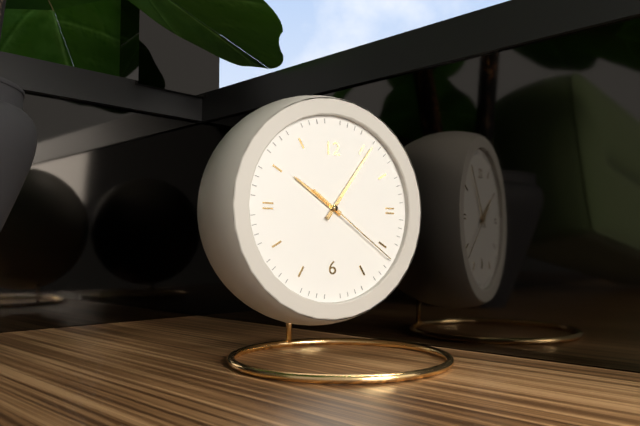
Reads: 10,06,21
